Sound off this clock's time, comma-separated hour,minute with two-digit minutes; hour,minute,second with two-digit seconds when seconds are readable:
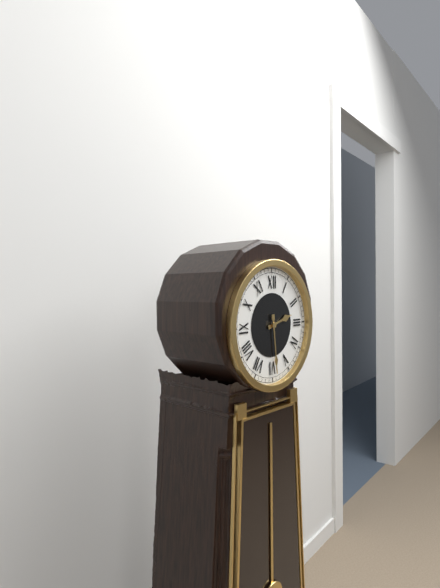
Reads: 2,29
